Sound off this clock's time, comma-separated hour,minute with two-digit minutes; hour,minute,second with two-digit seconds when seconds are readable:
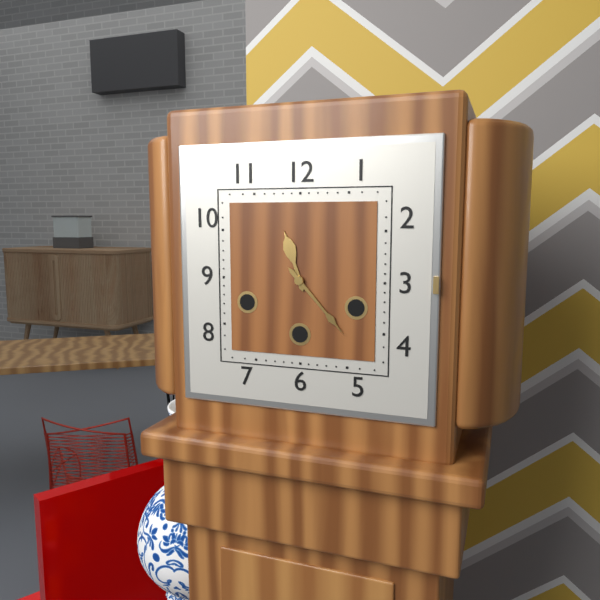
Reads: 11,23
